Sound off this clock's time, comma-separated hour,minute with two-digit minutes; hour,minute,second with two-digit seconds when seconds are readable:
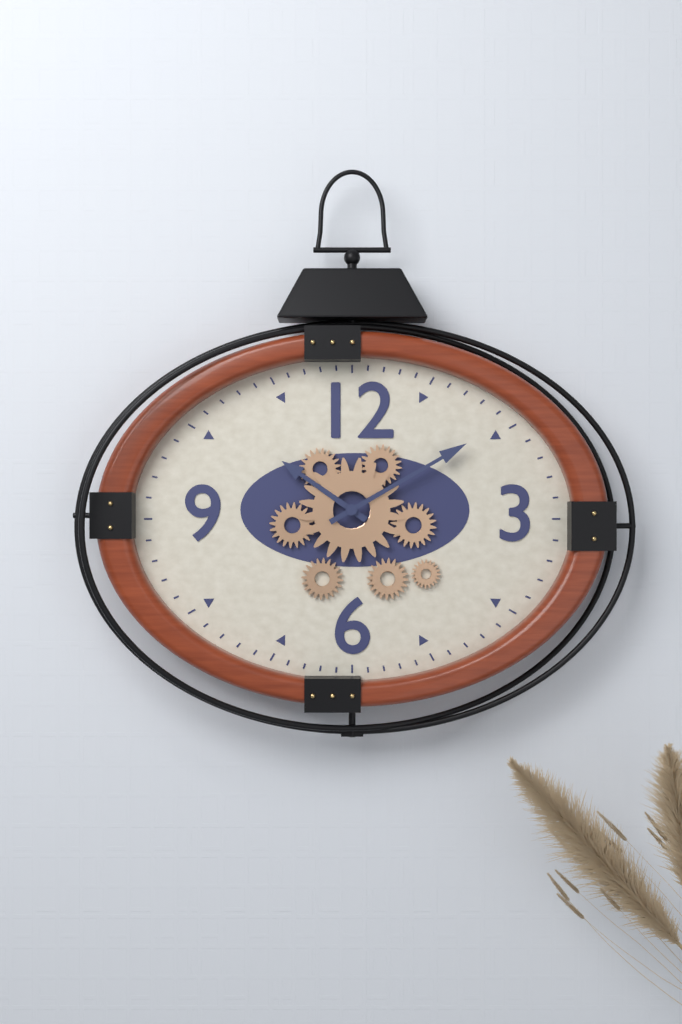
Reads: 10,10
